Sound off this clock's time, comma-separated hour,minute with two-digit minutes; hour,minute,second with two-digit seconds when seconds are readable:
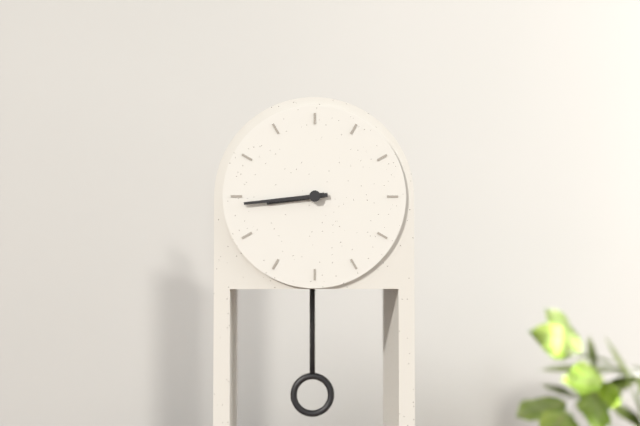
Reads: 8,44
